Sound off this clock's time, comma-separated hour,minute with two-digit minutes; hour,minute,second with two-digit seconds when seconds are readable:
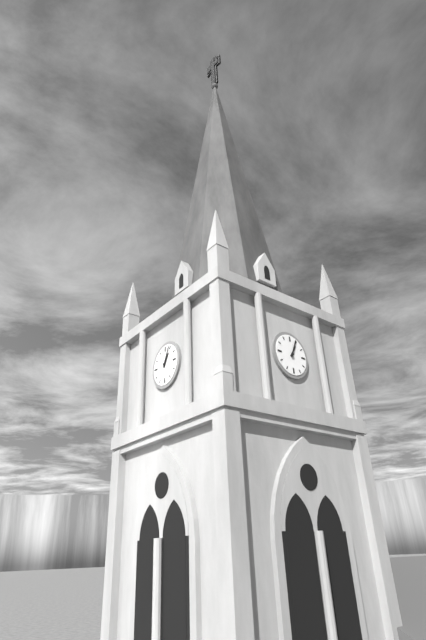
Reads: 1,04
